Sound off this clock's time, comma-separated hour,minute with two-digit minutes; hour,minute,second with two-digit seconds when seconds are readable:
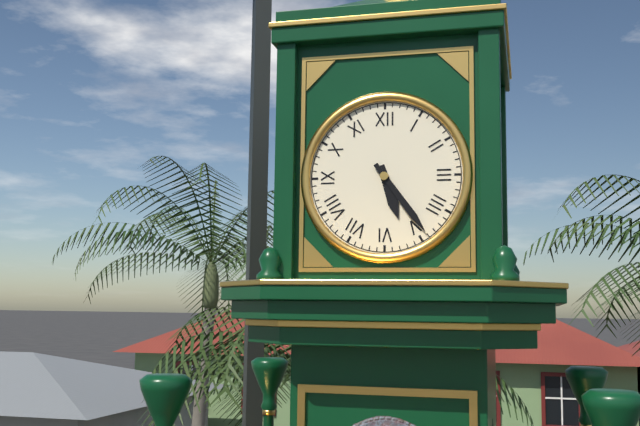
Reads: 5,24
